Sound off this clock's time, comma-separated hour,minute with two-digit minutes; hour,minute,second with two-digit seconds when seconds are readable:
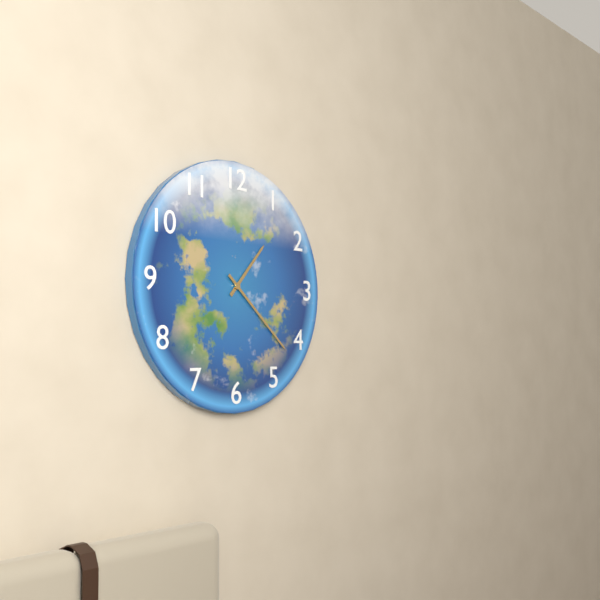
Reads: 1,22
